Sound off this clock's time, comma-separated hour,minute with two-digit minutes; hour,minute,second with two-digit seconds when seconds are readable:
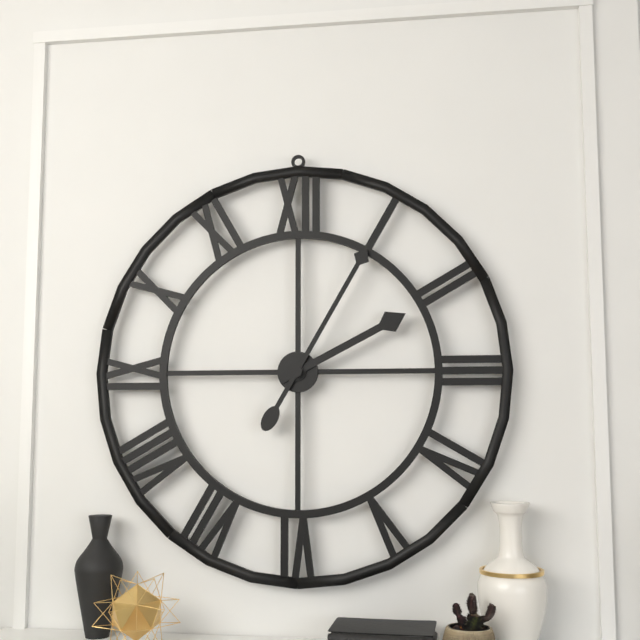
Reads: 2,05
